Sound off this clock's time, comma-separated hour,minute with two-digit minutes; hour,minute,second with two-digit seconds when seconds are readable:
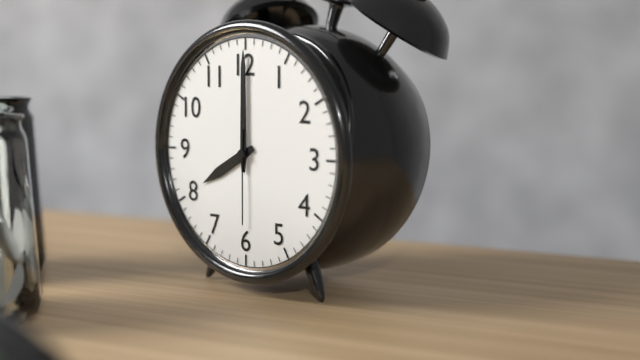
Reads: 8,00,30
